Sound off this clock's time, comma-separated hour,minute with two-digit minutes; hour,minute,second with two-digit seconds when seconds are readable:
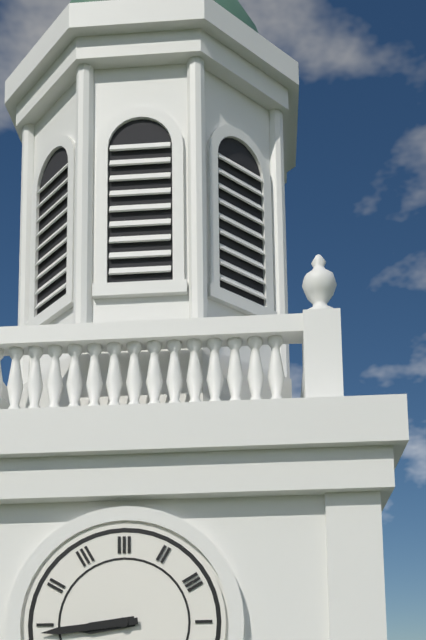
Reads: 8,44
